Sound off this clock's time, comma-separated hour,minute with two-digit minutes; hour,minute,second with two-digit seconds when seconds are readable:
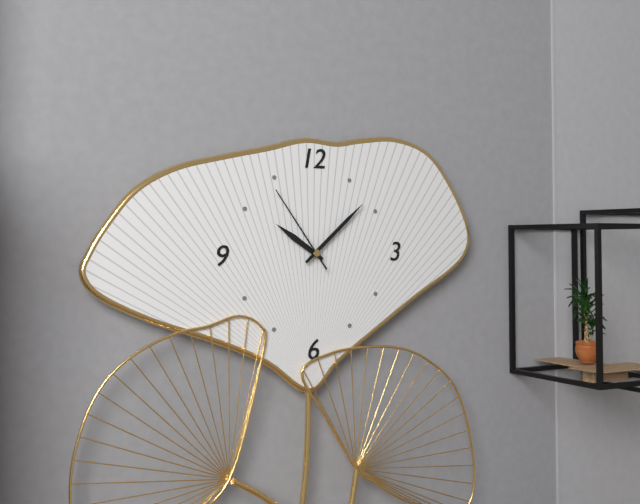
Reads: 10,08,54
